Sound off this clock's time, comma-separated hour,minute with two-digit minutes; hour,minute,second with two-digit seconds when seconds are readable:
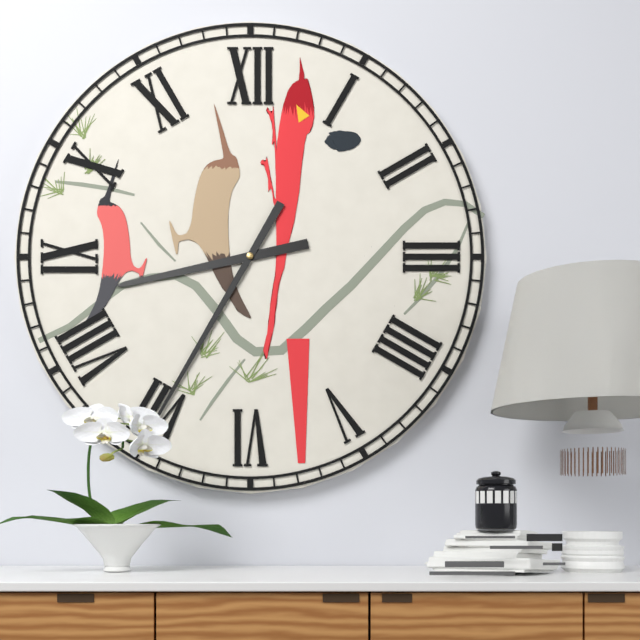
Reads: 8,35
